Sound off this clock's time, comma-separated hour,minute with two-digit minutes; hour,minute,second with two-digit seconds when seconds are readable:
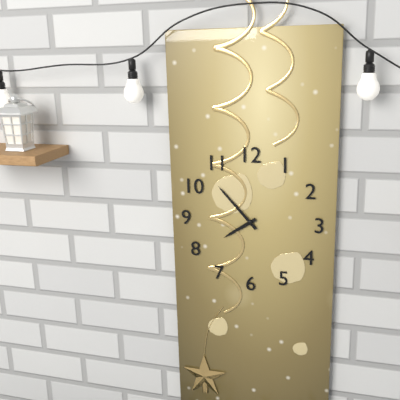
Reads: 7,53
